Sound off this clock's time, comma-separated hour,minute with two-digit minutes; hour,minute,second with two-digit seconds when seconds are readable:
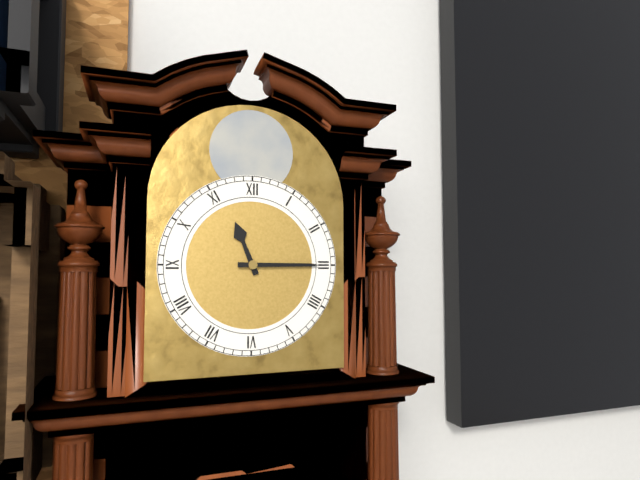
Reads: 11,15
